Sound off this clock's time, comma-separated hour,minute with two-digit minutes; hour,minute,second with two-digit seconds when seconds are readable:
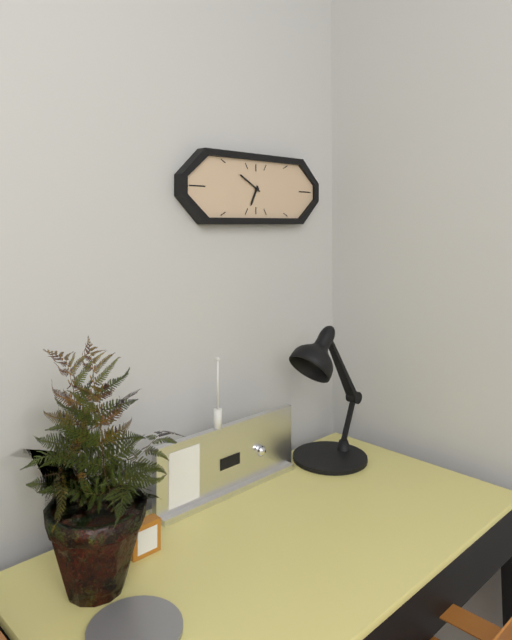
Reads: 6,50
